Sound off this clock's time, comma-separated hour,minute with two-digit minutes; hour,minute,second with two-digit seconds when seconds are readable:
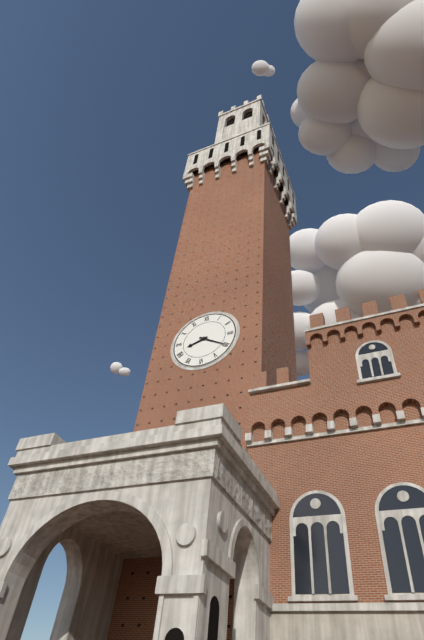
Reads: 8,20
